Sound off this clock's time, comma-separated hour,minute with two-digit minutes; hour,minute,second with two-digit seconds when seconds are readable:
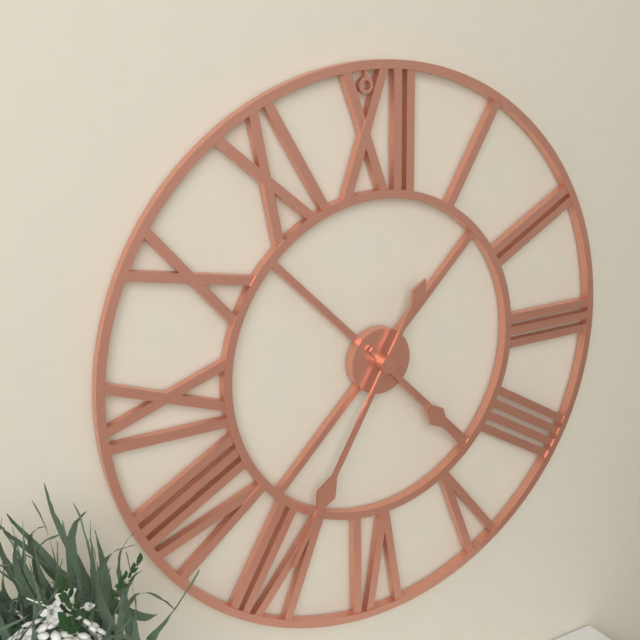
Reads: 4,35
